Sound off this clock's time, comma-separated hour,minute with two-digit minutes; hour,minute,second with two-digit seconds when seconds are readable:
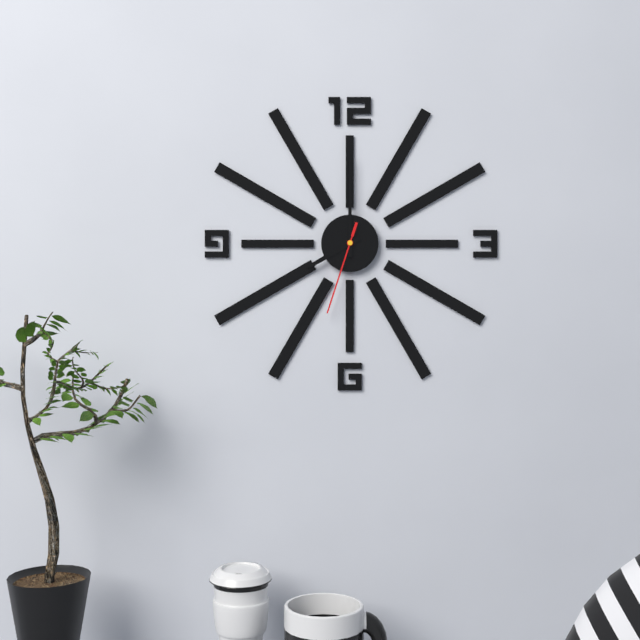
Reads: 8,00,33
